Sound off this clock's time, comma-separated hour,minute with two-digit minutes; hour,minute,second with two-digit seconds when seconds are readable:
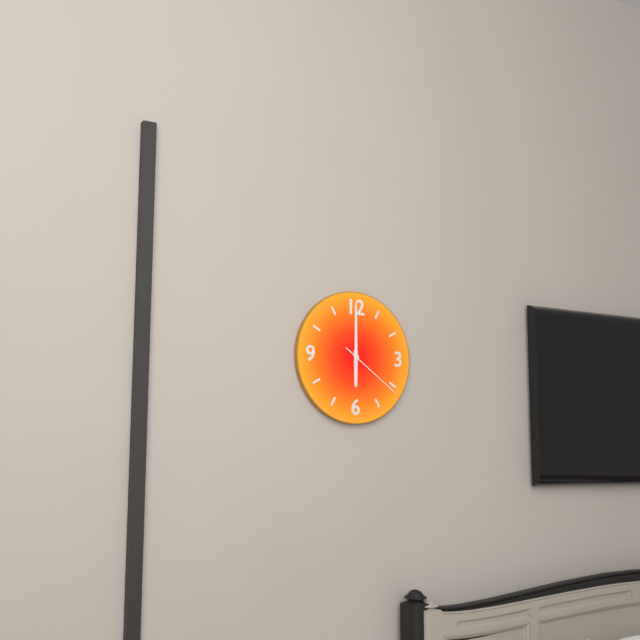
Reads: 6,00,21
